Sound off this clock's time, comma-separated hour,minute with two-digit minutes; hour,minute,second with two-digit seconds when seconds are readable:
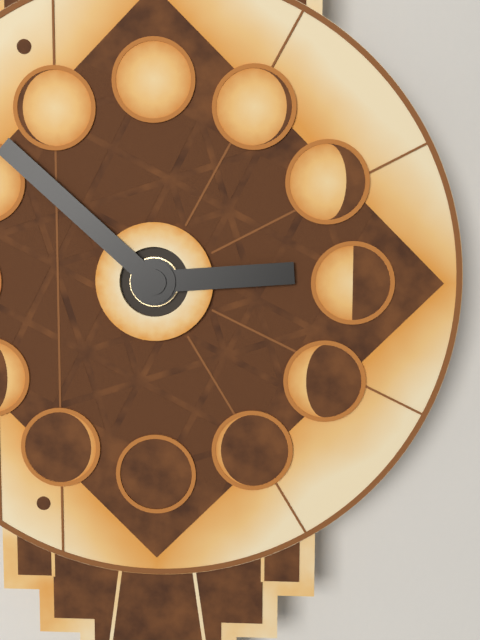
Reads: 2,52
